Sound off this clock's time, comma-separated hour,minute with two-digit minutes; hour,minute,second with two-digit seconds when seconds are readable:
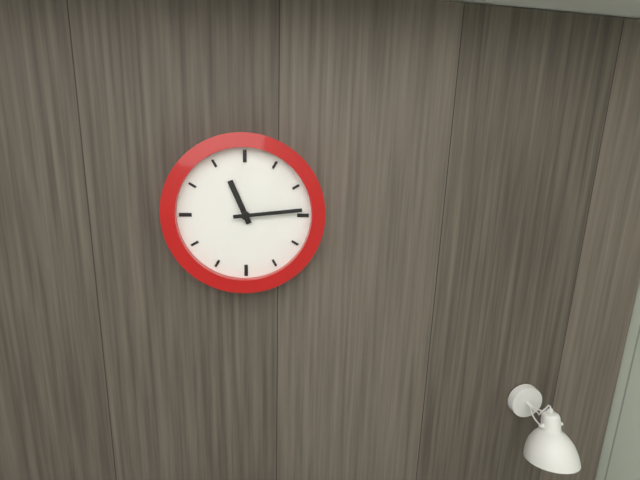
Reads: 11,14
